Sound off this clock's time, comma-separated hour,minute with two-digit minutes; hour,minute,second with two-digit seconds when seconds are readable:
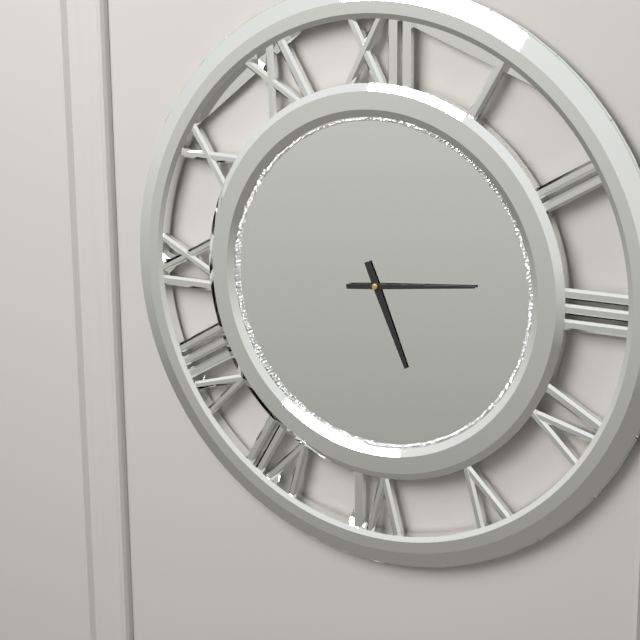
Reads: 5,14
